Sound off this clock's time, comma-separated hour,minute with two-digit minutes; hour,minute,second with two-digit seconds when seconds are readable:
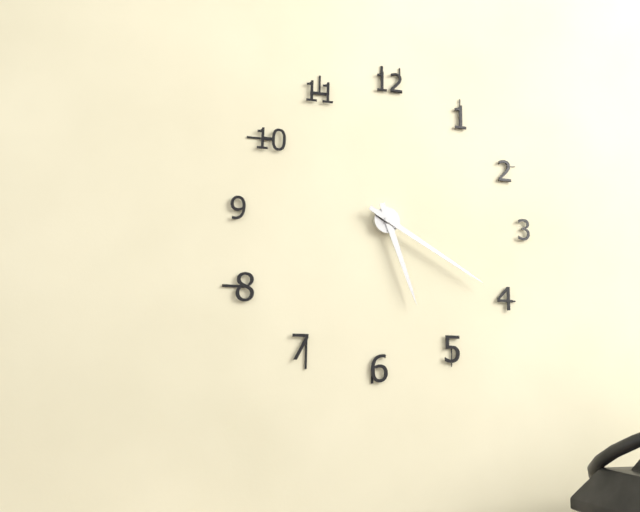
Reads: 5,20
